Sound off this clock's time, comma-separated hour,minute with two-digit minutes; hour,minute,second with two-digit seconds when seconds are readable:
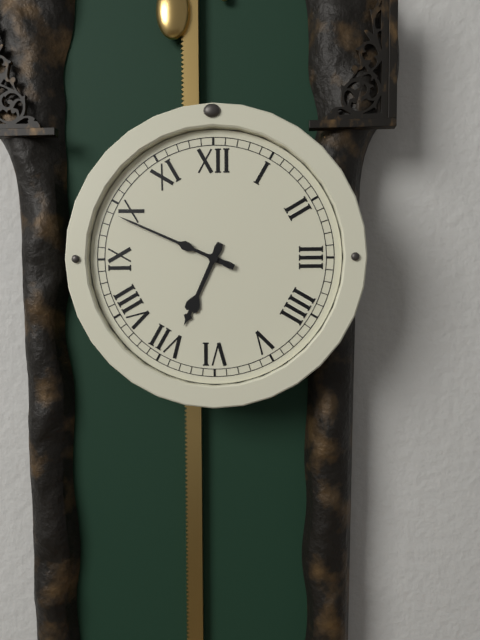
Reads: 6,49
